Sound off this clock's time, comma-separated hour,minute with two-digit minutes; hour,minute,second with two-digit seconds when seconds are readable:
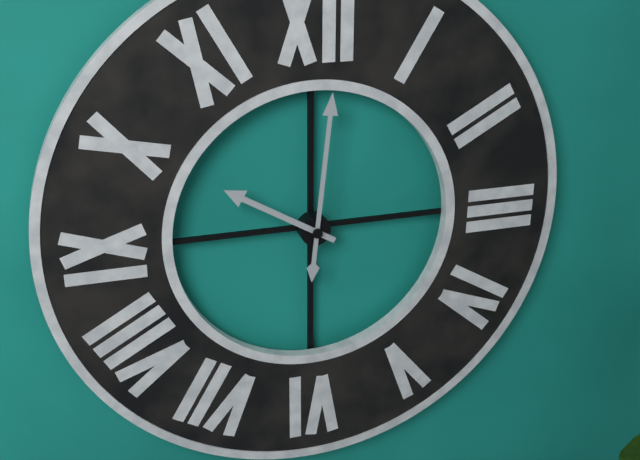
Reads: 10,01
